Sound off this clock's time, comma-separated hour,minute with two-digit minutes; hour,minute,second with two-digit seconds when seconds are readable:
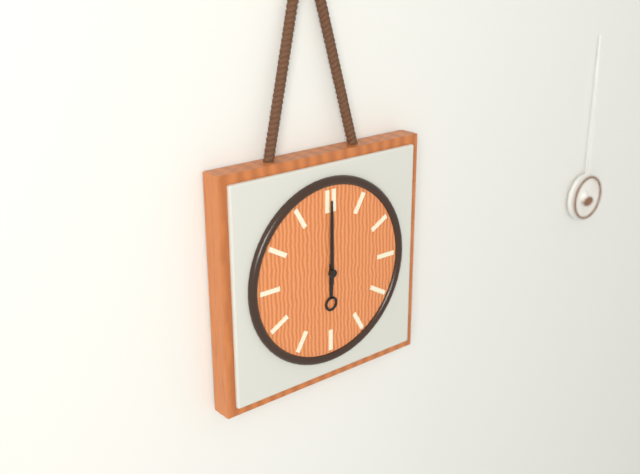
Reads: 6,00
